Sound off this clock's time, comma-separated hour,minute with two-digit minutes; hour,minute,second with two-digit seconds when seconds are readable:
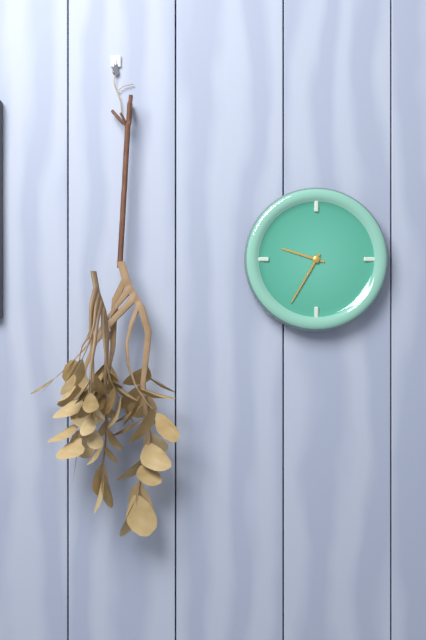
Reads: 9,35
